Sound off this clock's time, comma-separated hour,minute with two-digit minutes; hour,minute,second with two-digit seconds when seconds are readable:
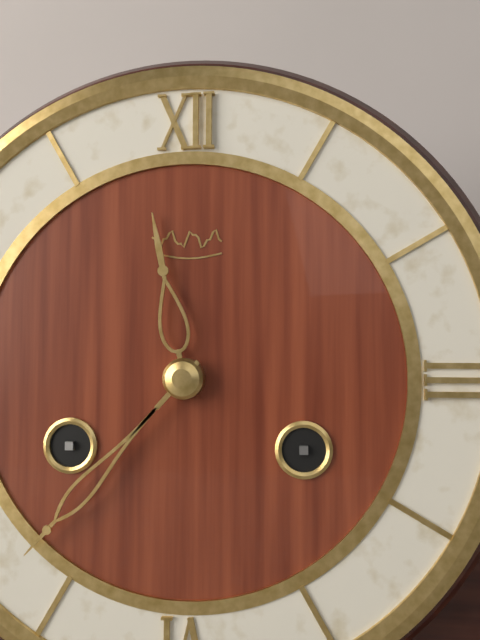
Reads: 11,37
